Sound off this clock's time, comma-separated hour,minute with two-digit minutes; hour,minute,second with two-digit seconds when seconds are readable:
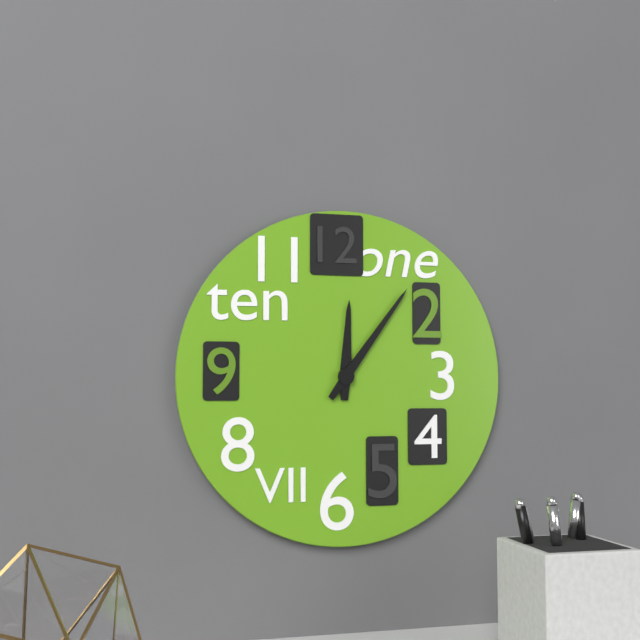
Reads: 12,06
